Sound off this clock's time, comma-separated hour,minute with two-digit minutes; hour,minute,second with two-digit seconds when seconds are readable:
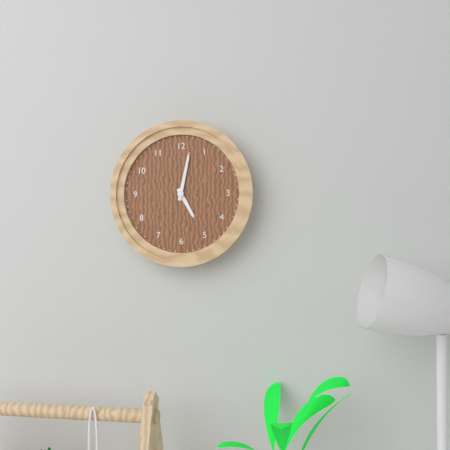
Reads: 5,02
